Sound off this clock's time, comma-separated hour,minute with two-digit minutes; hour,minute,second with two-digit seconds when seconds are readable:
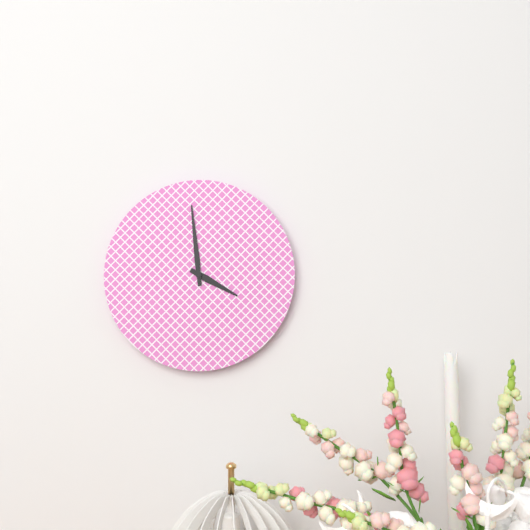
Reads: 3,59
